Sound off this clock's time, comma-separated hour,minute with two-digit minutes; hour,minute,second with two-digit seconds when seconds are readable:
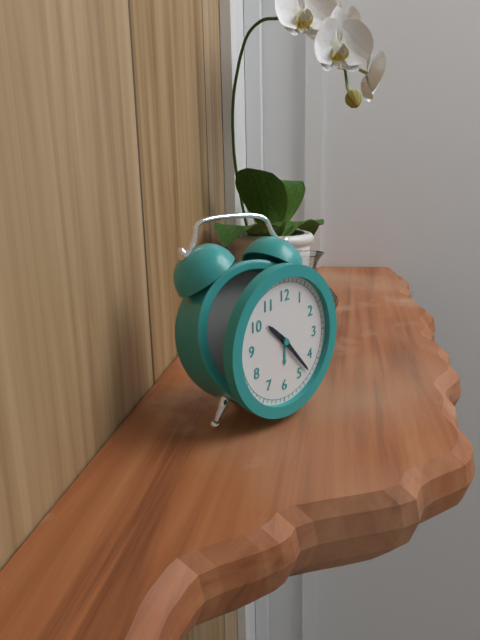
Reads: 10,23
